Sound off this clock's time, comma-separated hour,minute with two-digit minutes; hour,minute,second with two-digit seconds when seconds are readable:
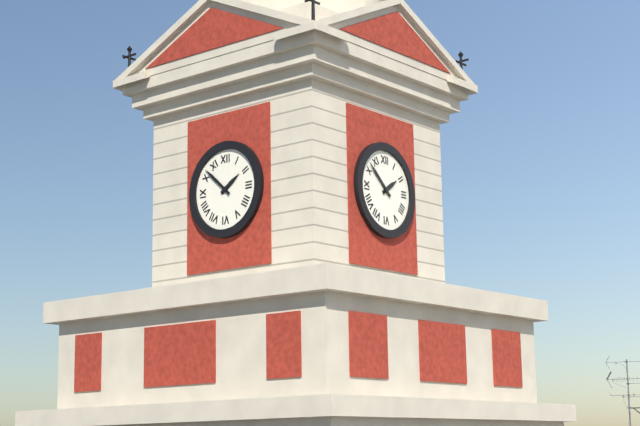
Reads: 1,52
